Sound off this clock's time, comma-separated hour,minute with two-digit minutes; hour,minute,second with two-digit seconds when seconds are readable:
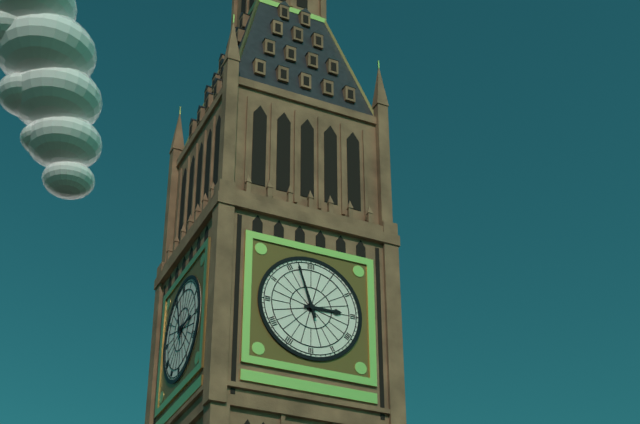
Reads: 2,57
